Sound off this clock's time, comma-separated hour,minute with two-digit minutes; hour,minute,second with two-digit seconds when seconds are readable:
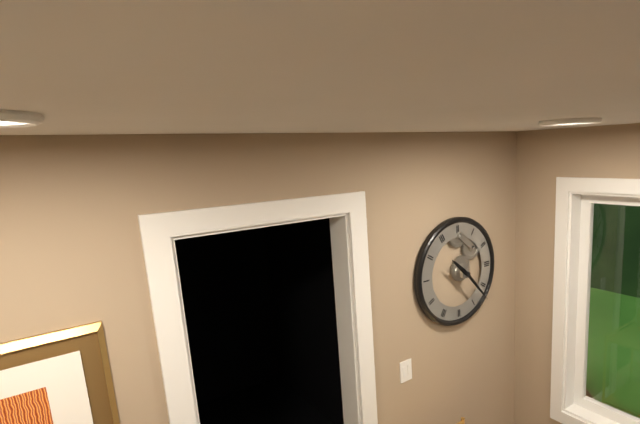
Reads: 10,23
